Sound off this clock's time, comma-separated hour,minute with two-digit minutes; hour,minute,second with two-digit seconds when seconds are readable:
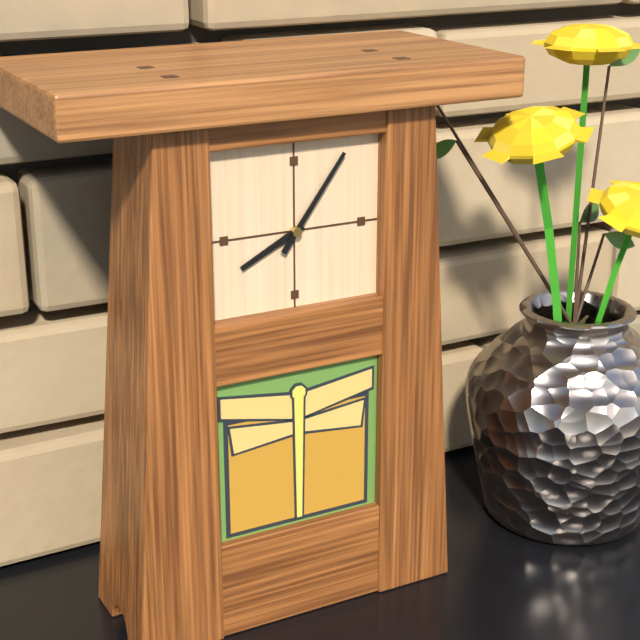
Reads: 8,06
